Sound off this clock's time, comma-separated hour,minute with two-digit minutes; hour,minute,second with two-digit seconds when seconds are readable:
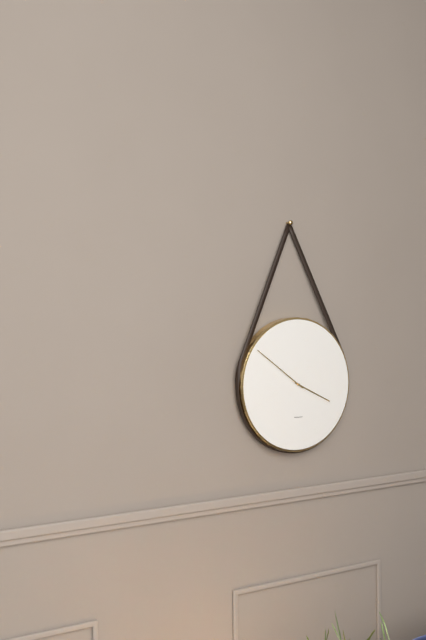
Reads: 3,51
